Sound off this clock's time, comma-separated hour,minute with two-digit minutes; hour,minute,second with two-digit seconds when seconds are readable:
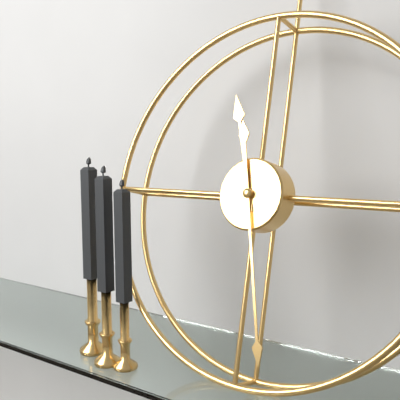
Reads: 11,28
